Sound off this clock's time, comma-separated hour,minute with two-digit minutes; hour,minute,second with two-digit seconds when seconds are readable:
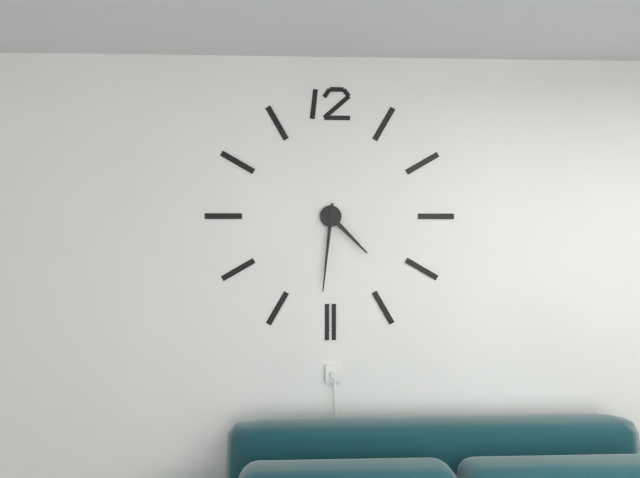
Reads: 4,31
